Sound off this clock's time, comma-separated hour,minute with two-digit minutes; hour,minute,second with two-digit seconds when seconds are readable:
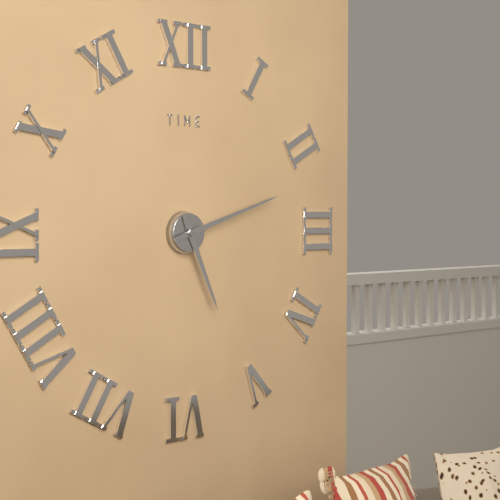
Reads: 5,12
